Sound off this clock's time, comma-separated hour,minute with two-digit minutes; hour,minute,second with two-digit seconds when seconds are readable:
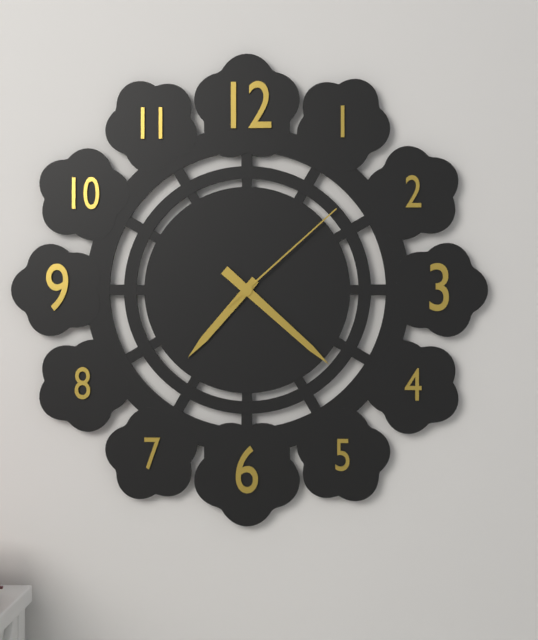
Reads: 7,22,08
